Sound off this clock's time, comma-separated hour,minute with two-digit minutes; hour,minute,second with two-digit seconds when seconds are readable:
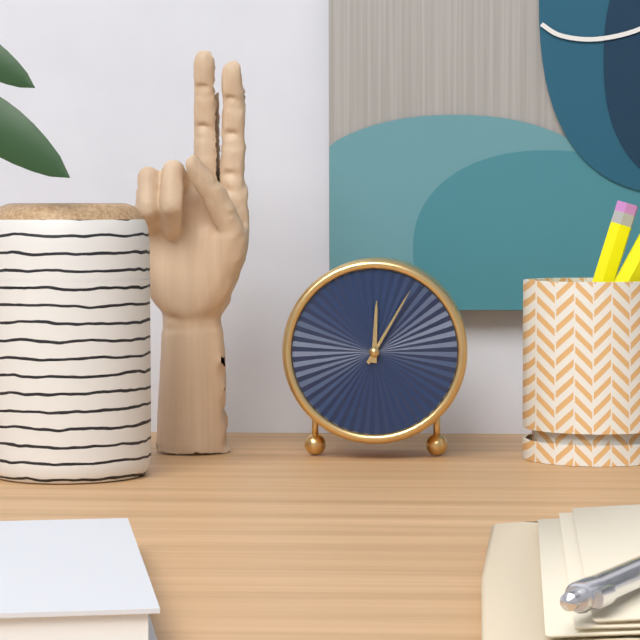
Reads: 12,05
